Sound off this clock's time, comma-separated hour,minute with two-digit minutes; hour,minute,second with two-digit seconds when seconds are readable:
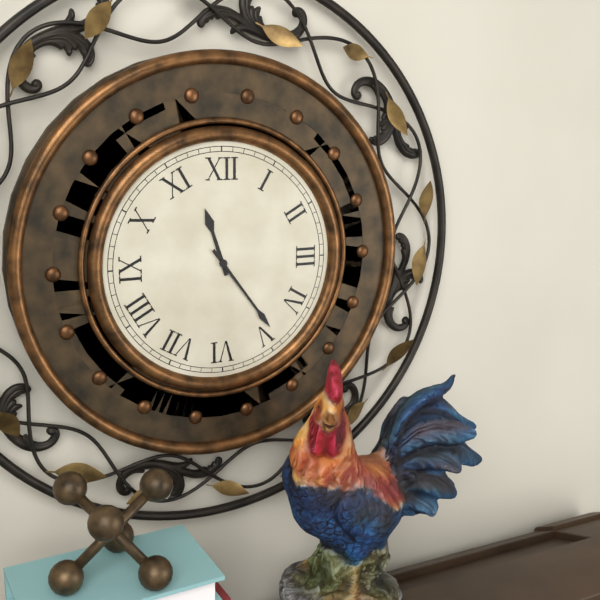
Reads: 11,24
